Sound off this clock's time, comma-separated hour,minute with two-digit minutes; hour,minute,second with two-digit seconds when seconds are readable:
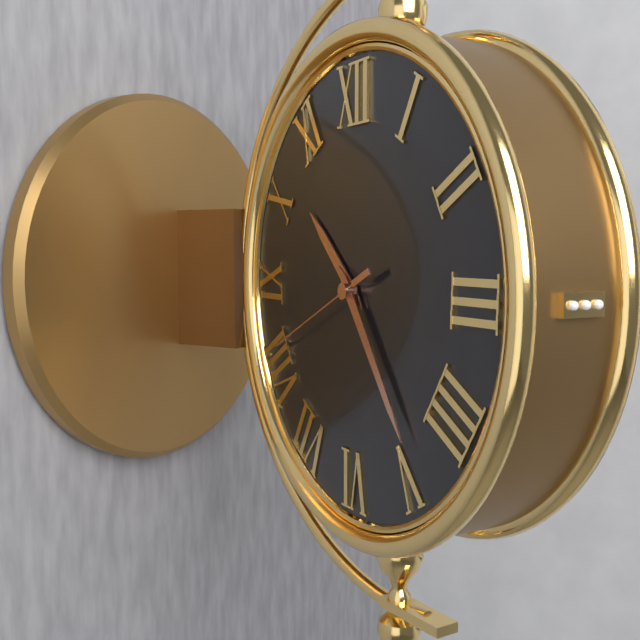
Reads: 10,24,41
